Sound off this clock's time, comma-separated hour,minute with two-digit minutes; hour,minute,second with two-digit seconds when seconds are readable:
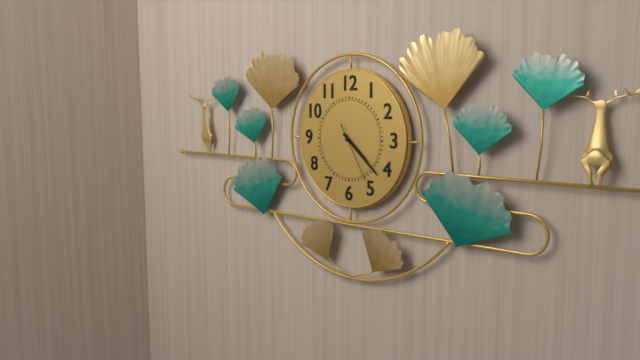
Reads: 4,22,25
